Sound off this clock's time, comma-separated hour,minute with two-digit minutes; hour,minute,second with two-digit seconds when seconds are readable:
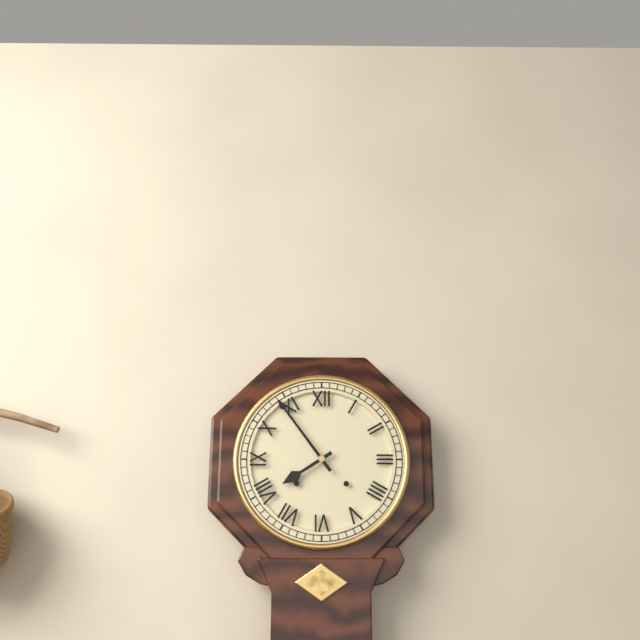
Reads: 7,54
